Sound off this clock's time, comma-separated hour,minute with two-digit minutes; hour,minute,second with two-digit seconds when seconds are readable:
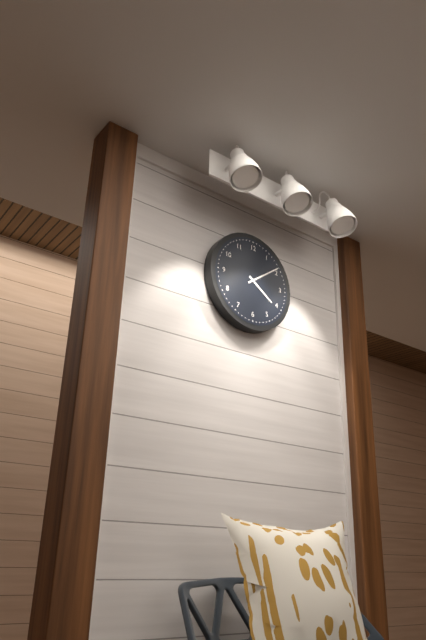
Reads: 4,09
